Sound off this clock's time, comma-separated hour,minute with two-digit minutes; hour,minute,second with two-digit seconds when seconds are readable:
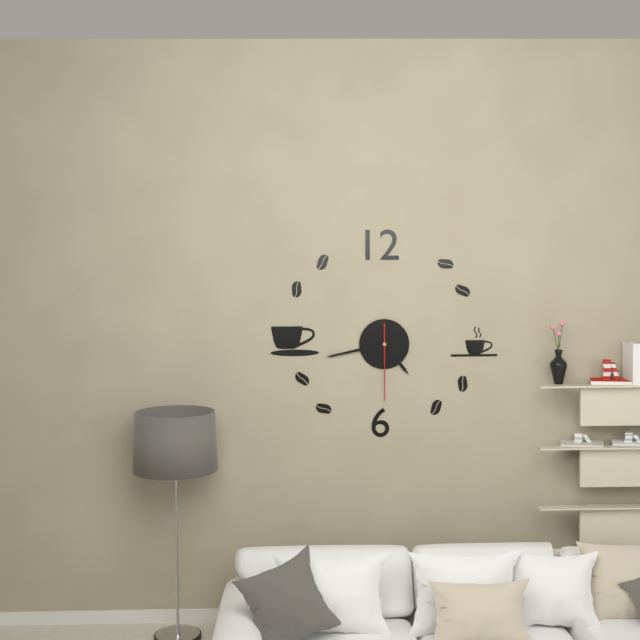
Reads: 4,43,30
